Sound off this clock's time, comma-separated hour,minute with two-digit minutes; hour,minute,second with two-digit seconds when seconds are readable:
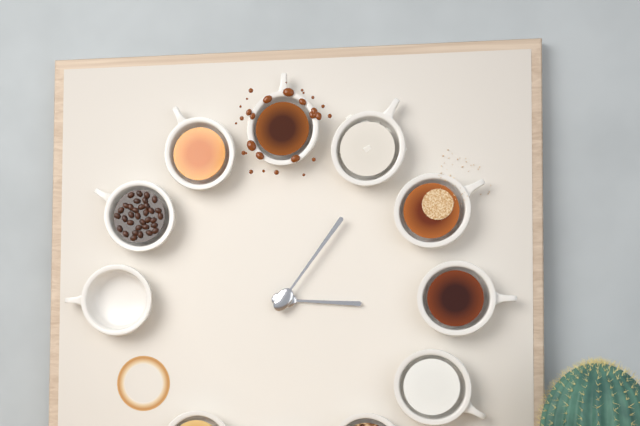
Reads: 3,06
